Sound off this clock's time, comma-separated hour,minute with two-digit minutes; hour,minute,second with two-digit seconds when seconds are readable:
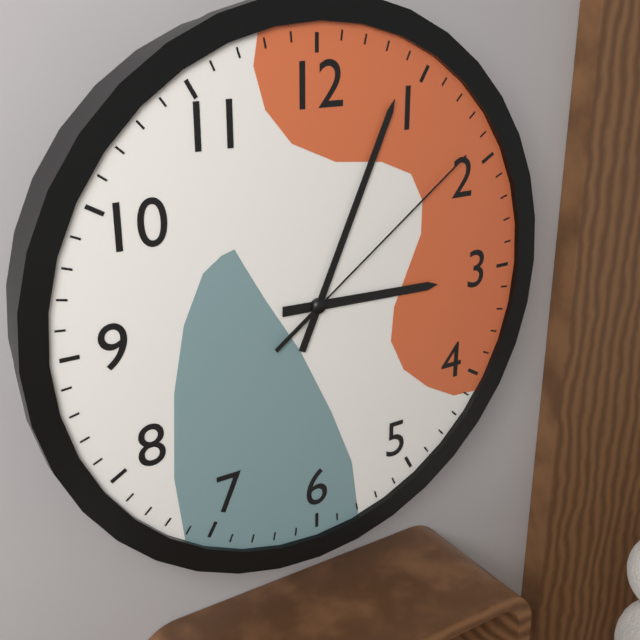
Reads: 3,04,09
